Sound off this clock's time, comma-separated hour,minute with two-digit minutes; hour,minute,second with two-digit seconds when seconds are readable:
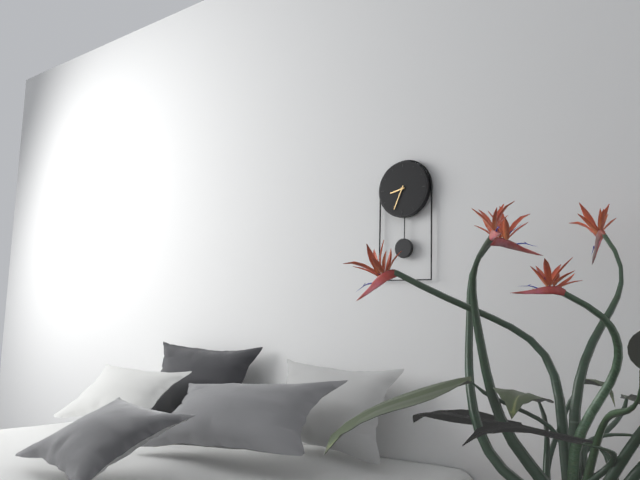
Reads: 8,34
